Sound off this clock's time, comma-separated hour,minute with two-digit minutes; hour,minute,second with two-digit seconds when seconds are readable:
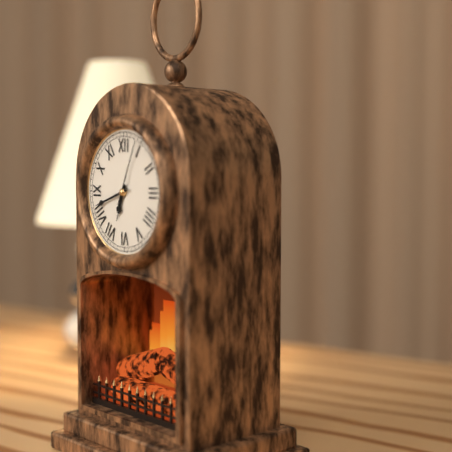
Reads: 6,42,04
